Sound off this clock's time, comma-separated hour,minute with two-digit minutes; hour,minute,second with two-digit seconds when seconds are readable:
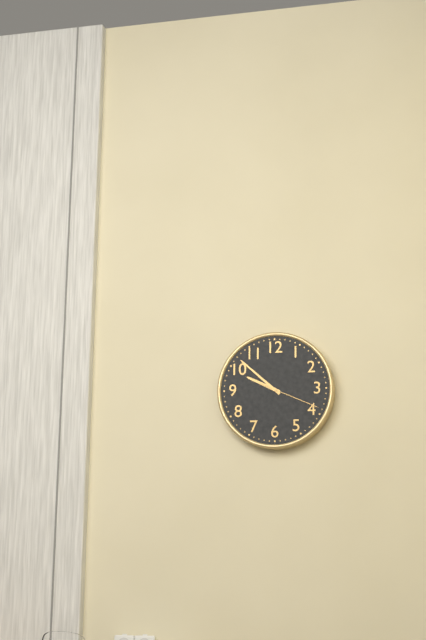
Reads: 9,52,19
